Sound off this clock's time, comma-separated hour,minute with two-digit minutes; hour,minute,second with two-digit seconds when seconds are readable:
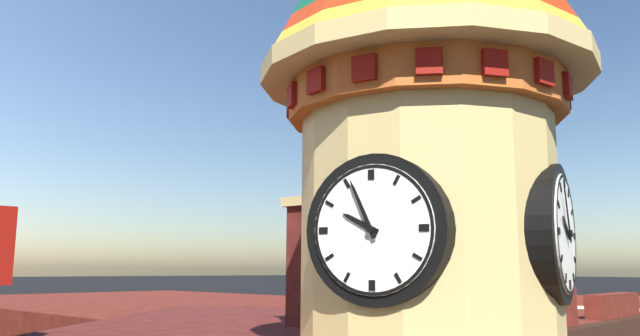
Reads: 9,56
